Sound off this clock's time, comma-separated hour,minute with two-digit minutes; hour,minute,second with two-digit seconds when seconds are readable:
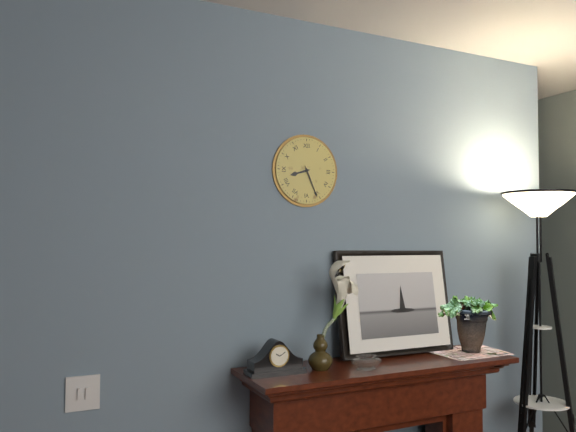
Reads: 8,26
